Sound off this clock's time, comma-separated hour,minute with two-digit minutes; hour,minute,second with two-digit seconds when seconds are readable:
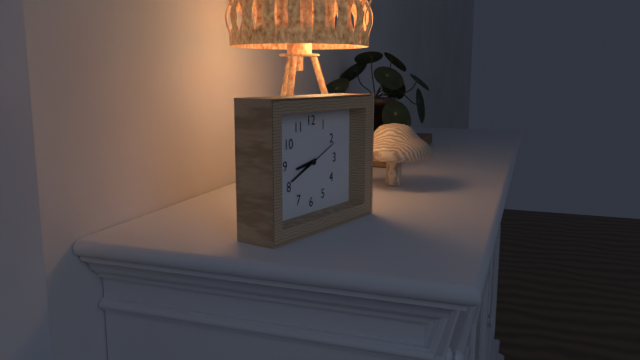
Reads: 8,41
